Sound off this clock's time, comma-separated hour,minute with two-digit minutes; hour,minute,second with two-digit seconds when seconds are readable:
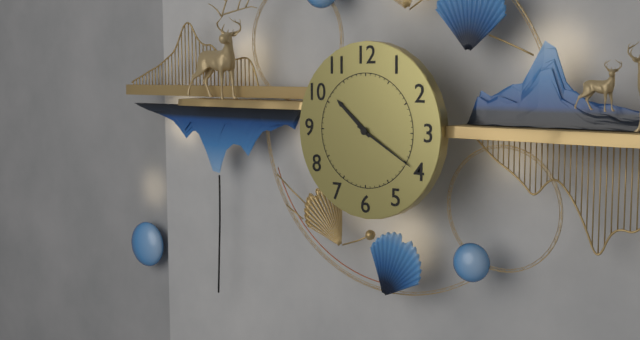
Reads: 10,20
